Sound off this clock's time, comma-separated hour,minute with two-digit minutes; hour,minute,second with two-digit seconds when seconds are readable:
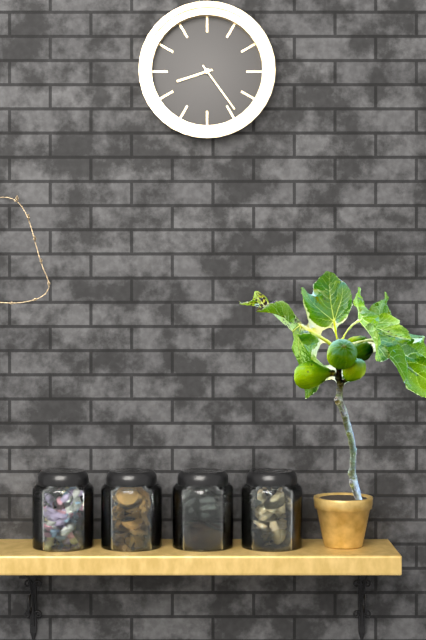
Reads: 8,24
